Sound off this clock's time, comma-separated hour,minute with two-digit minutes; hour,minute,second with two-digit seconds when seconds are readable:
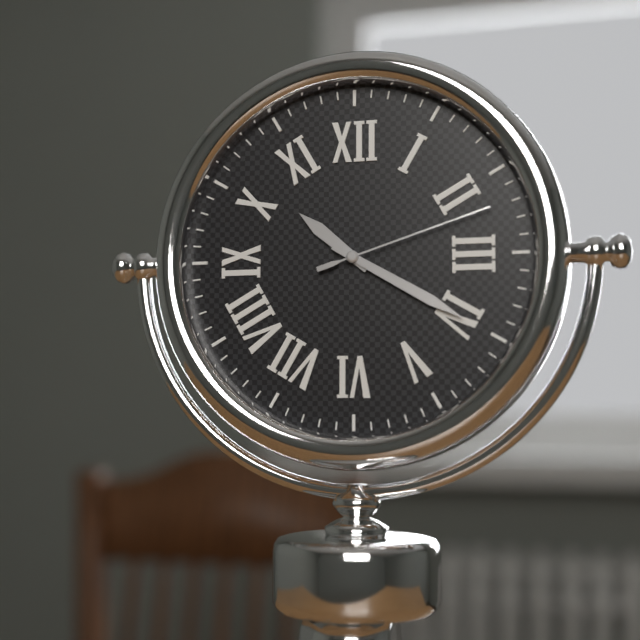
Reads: 10,20,12
